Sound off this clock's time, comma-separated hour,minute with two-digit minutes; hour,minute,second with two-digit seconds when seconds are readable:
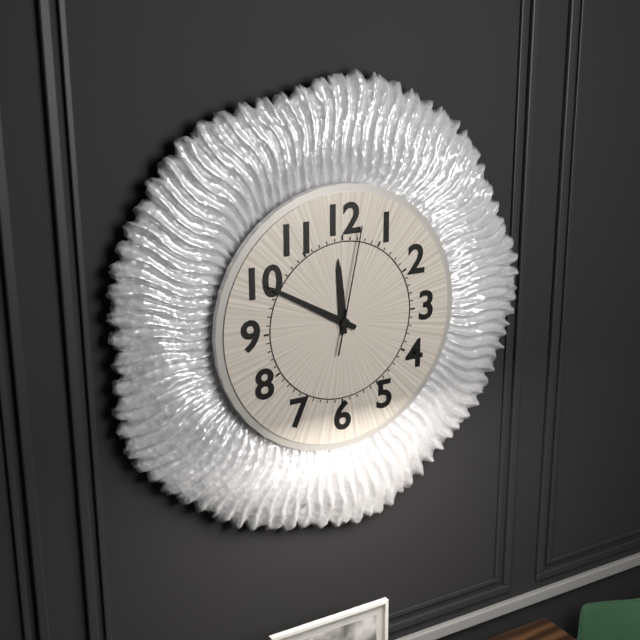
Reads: 11,50,02
